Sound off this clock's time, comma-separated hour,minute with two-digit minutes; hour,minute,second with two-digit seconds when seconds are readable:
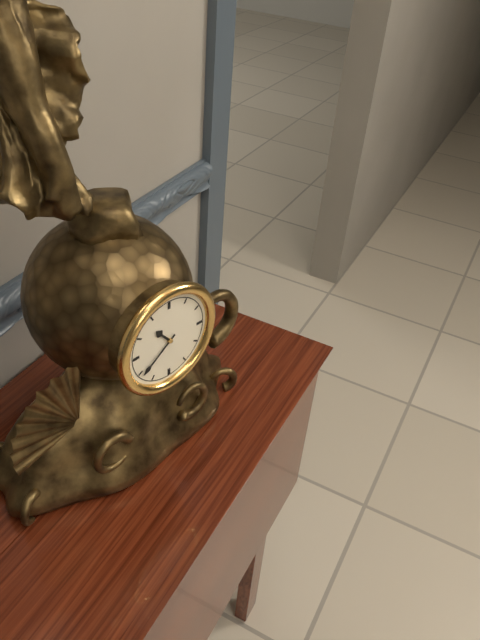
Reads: 10,39
